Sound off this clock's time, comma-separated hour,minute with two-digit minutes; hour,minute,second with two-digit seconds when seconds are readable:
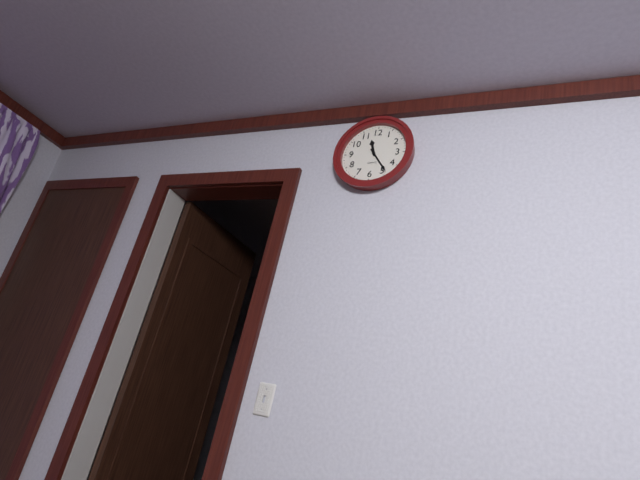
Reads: 11,24
